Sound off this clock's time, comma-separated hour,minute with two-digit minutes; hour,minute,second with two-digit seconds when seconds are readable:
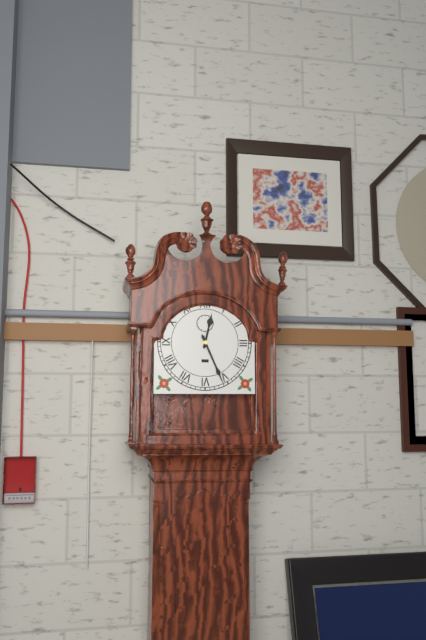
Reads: 12,26
